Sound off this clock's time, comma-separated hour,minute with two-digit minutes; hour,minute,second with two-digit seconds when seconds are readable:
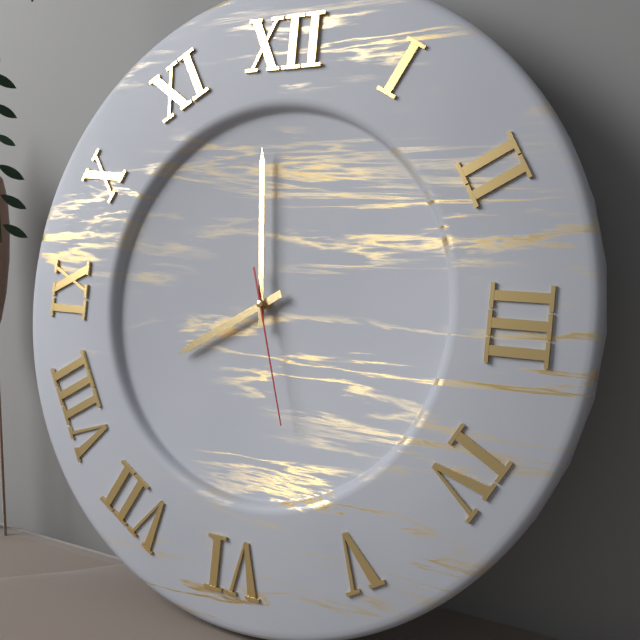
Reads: 7,59,27
